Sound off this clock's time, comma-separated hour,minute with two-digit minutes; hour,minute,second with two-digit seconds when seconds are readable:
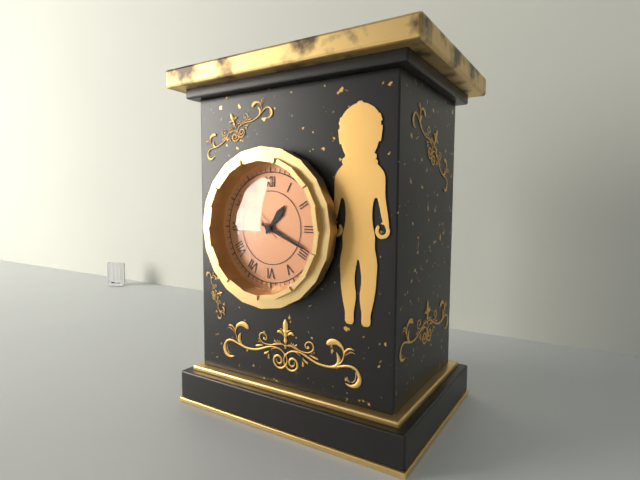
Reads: 1,19,52
